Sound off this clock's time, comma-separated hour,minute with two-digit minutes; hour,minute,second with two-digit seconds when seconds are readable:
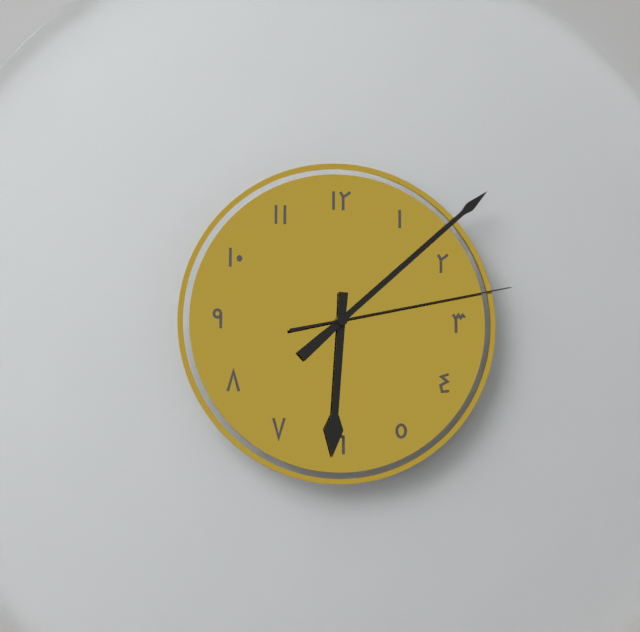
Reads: 6,08,13
